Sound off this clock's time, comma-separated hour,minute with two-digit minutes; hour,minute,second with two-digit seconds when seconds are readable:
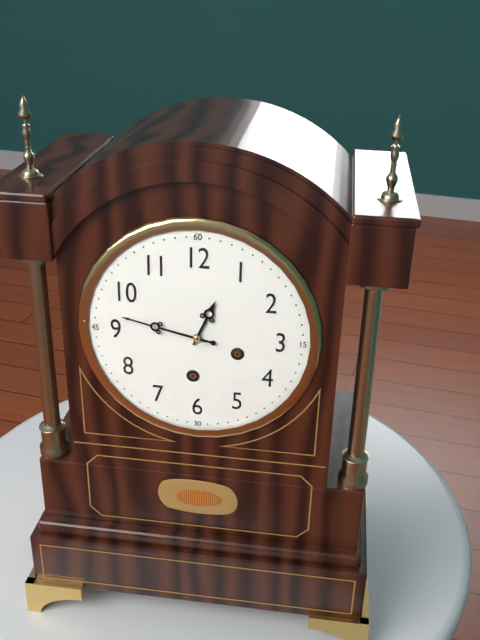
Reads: 12,47
